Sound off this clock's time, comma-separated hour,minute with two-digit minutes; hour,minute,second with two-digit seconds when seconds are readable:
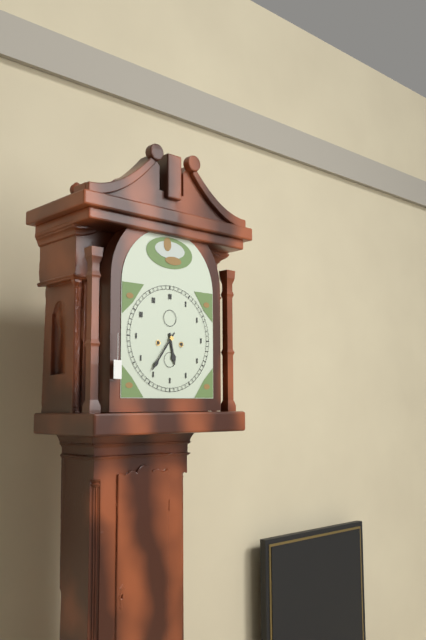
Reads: 5,36
